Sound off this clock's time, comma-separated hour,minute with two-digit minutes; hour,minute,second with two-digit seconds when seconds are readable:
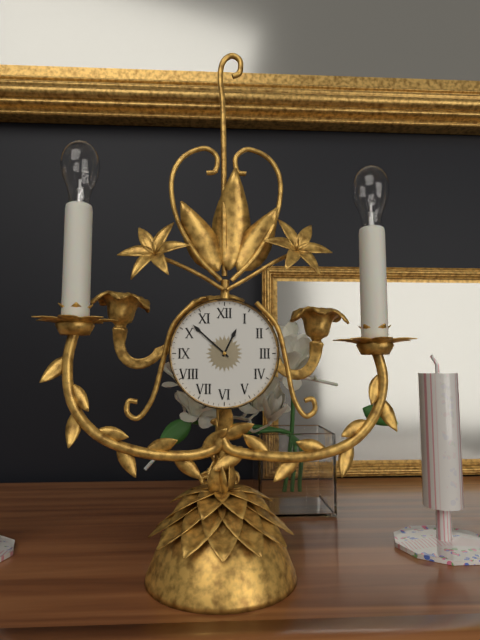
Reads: 12,52
